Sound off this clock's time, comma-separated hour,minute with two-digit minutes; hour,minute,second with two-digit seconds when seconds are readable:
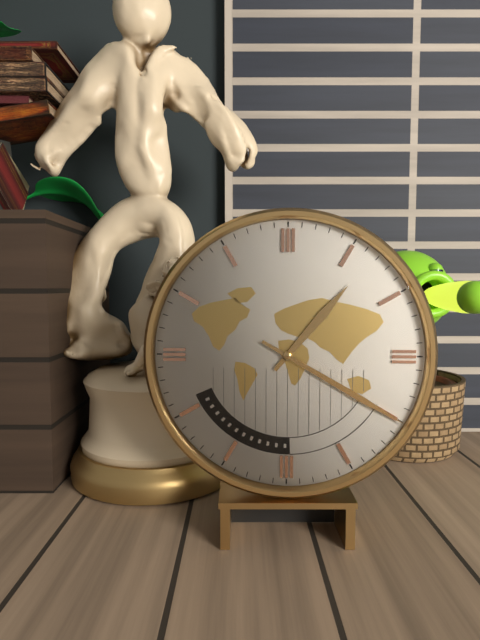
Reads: 1,20
